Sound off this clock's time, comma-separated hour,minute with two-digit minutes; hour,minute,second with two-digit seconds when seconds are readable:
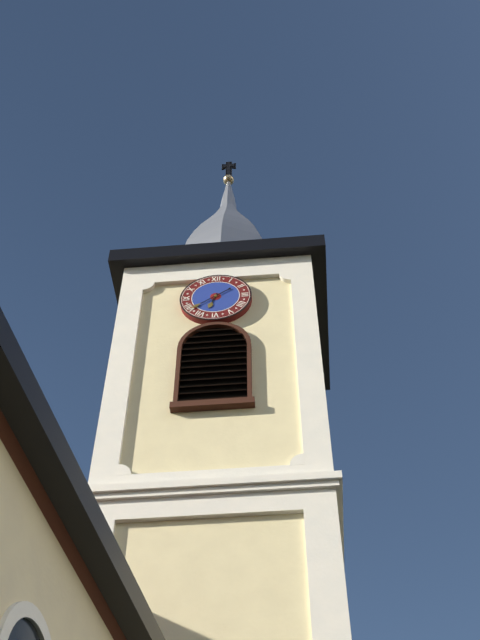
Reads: 6,39
